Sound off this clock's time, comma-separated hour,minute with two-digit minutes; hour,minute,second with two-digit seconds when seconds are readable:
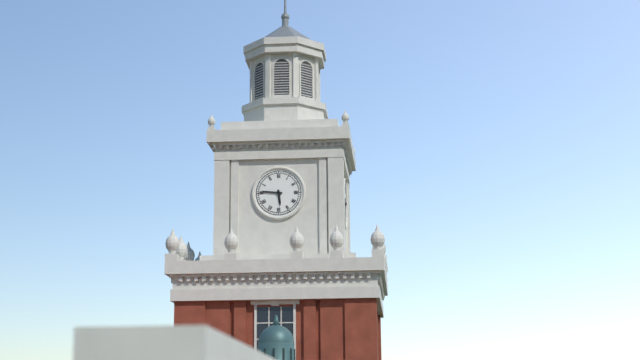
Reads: 5,46
